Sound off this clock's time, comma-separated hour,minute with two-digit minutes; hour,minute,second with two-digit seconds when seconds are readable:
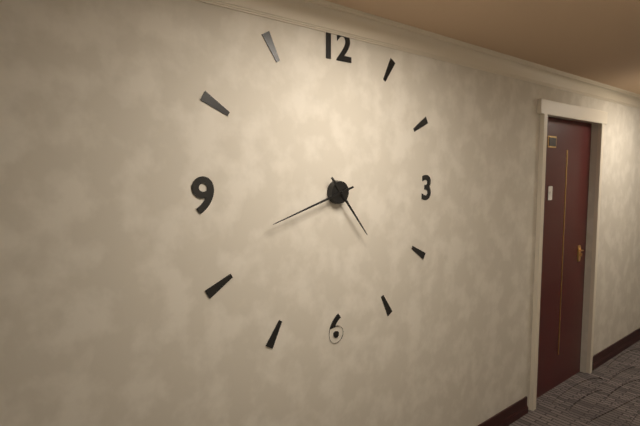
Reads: 4,42
